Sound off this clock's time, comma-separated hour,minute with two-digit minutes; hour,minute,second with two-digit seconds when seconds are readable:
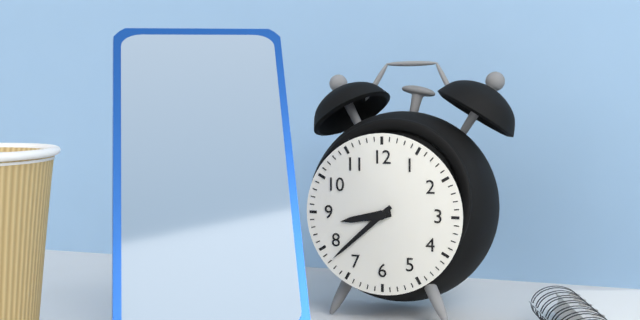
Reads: 8,38
